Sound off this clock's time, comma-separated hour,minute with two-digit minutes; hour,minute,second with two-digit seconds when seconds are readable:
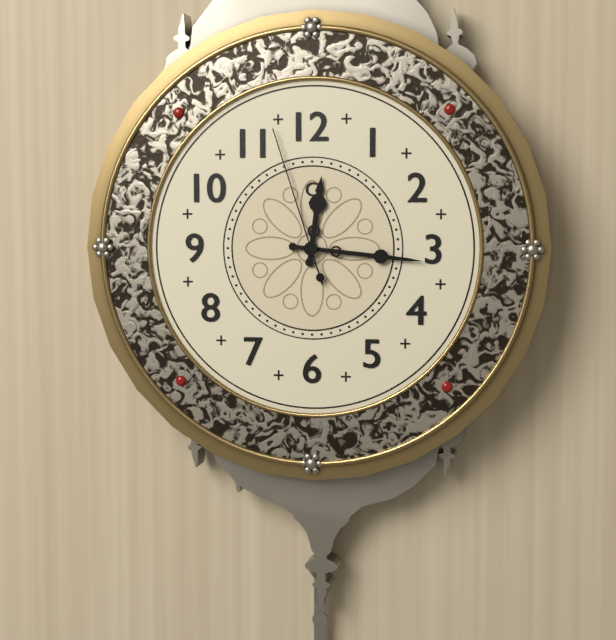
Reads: 12,16,57
